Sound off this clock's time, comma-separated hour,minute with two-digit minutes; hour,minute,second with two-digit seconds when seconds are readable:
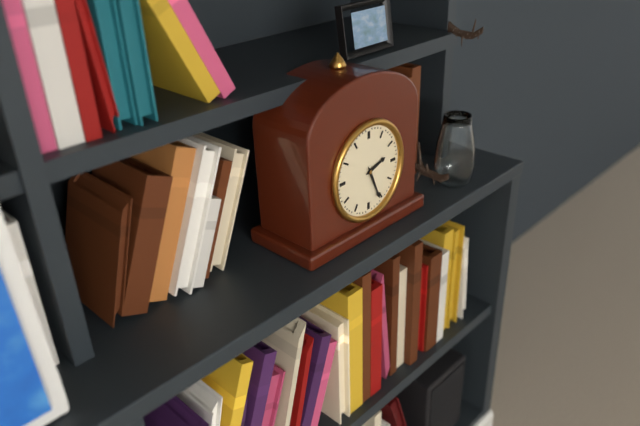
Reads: 2,26
